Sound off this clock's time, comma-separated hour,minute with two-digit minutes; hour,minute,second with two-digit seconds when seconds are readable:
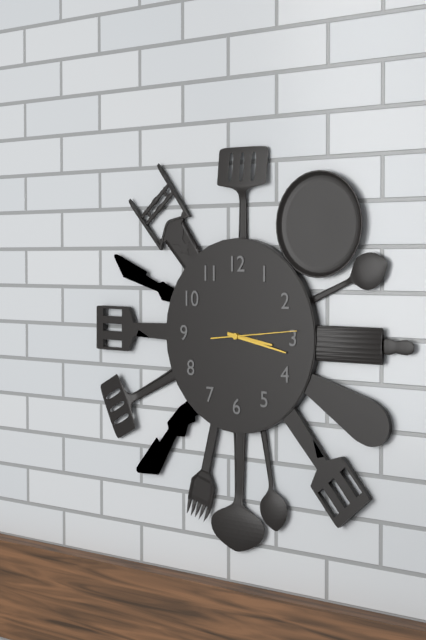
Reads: 3,17,14
